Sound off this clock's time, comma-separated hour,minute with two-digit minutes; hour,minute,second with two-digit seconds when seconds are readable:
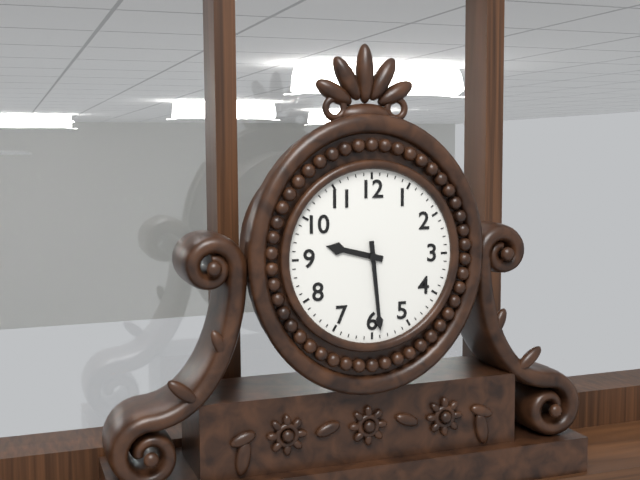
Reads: 9,29
